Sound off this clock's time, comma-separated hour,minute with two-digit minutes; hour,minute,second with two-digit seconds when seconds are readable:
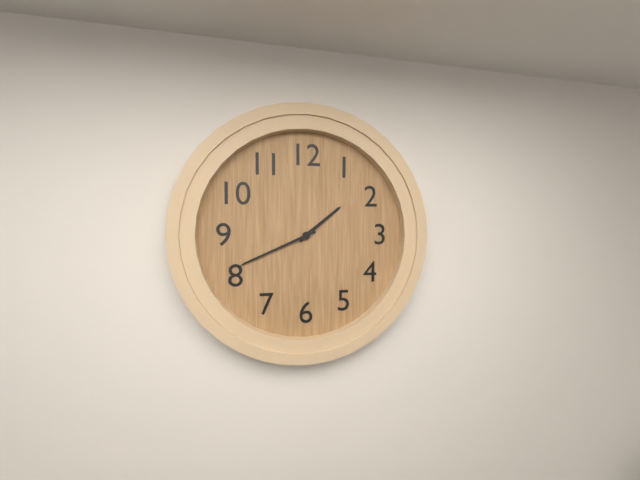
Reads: 1,41
